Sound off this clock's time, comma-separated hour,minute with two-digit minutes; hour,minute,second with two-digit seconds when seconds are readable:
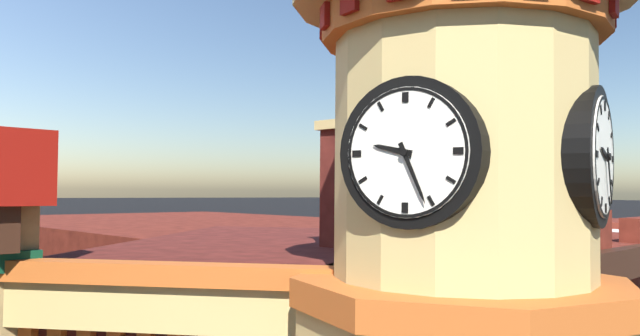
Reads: 9,26
